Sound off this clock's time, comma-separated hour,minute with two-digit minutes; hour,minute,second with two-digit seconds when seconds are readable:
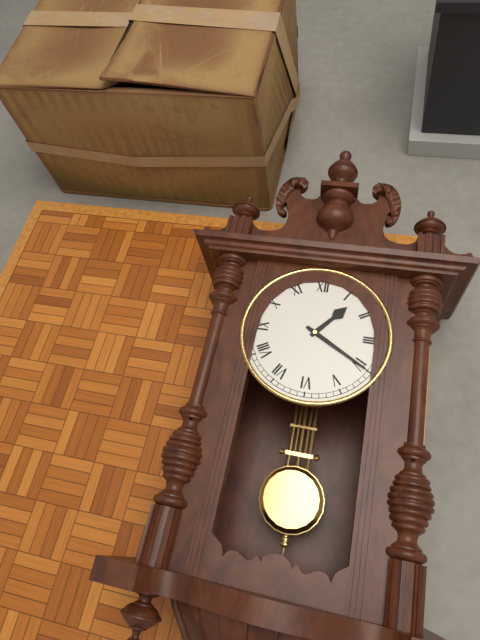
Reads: 1,20
